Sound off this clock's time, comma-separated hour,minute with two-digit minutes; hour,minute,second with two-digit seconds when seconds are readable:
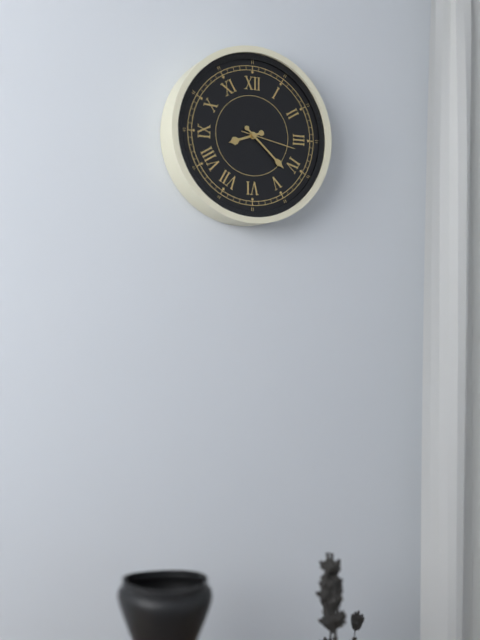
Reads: 8,22,17
